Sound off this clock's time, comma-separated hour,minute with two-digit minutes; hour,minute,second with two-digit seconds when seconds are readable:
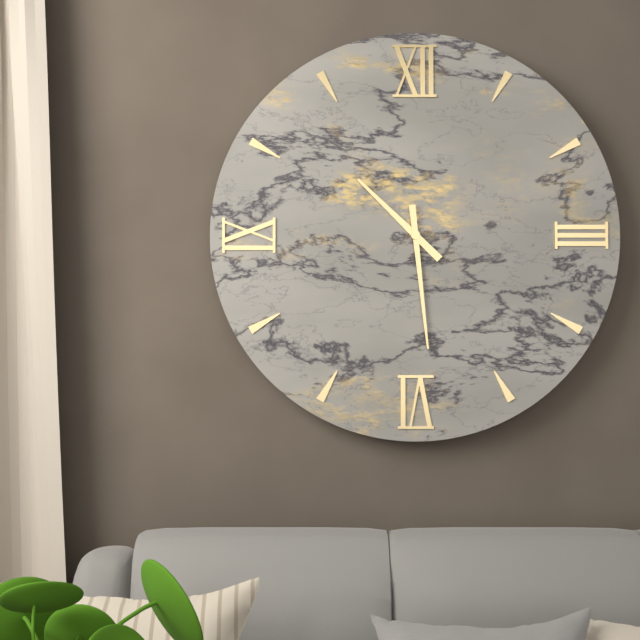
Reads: 10,29
